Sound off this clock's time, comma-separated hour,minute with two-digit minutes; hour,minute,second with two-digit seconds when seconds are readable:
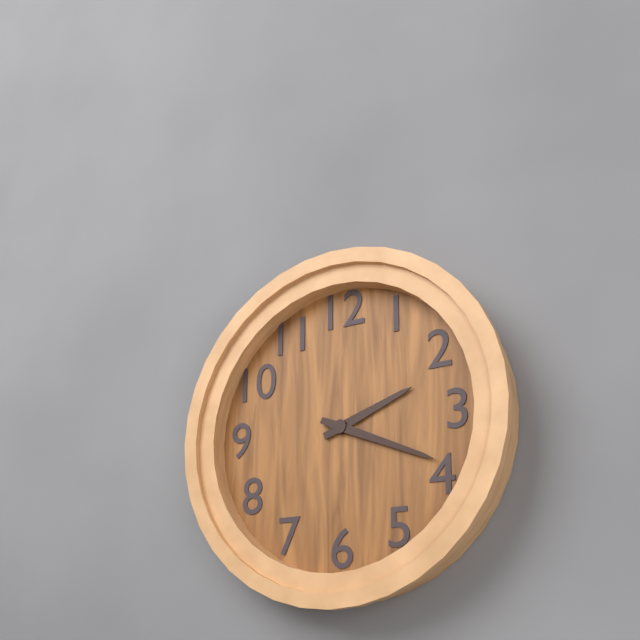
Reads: 2,19
